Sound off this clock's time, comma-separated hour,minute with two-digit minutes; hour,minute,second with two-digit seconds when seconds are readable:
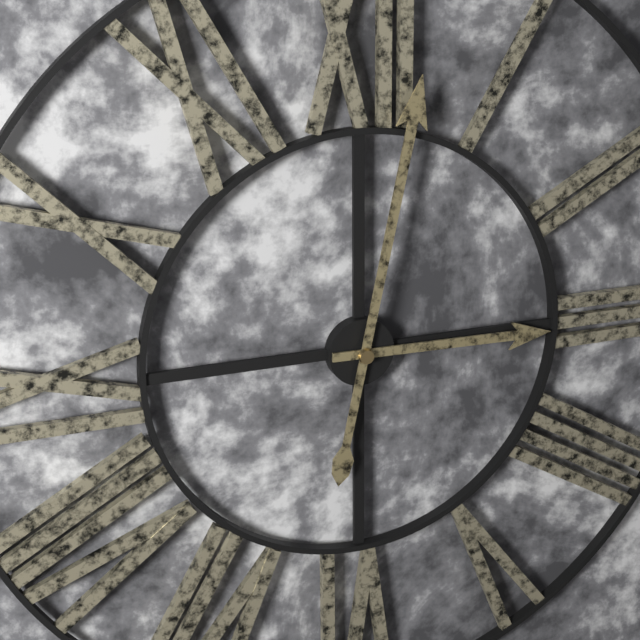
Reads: 3,02
